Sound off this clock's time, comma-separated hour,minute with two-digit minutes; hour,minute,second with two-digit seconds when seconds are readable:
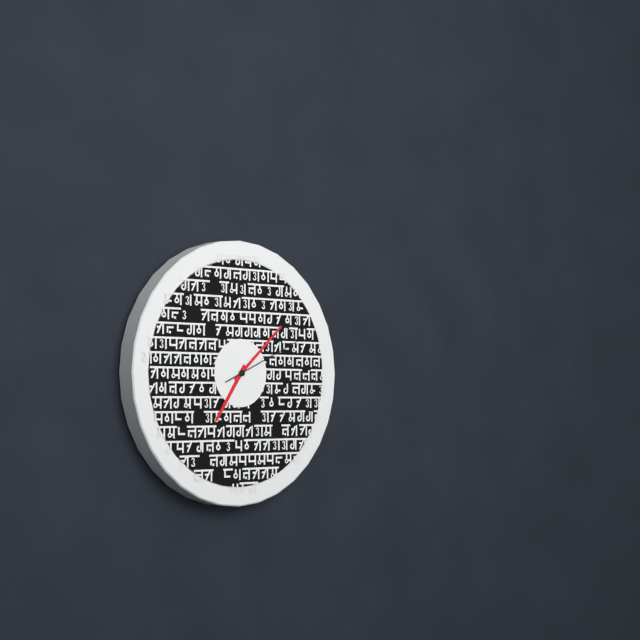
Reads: 7,08,11
